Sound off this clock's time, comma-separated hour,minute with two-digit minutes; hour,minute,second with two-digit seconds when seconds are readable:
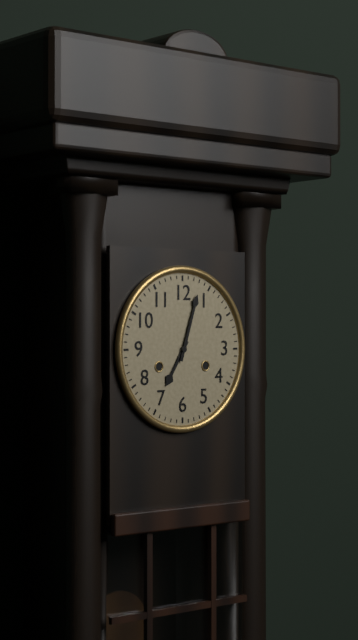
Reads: 7,03
